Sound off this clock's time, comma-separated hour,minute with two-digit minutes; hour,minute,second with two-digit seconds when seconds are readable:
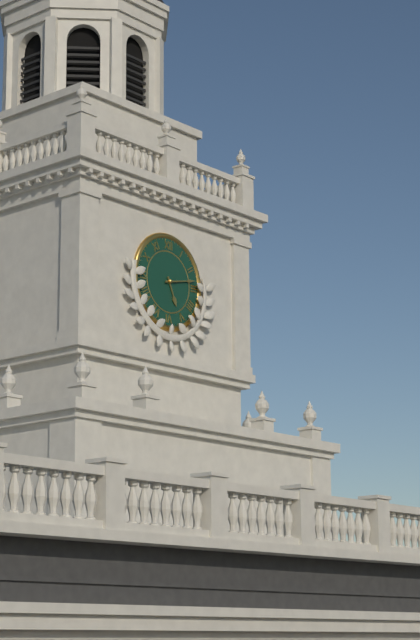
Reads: 5,13
